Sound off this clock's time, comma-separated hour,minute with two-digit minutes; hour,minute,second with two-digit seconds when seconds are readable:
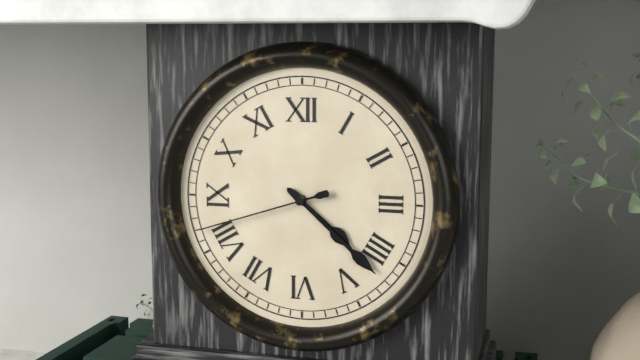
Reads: 4,22,42
